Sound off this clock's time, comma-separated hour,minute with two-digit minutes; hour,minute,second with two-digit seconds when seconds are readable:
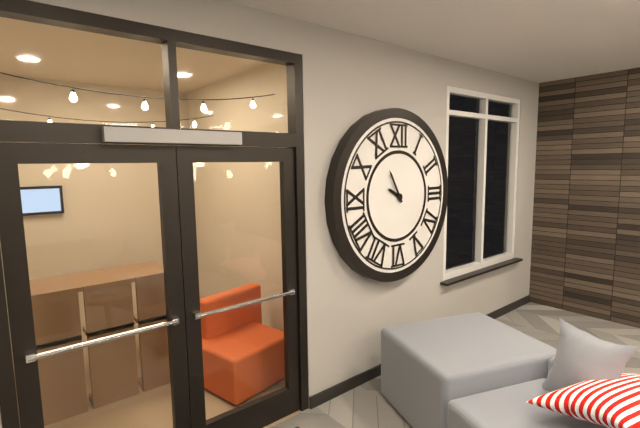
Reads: 9,55
